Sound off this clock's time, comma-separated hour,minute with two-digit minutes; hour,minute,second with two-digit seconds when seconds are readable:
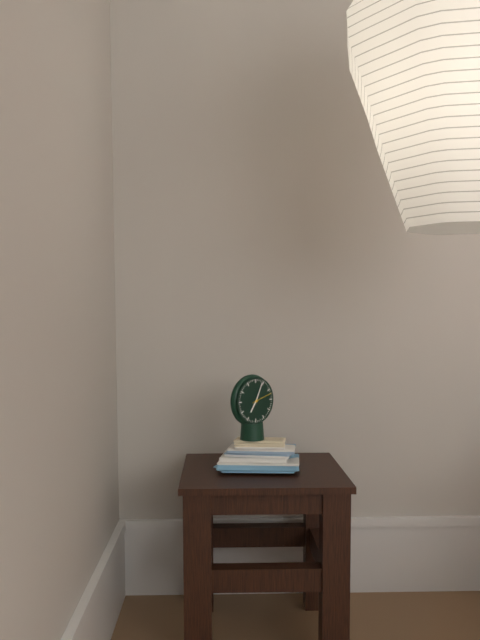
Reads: 7,04
